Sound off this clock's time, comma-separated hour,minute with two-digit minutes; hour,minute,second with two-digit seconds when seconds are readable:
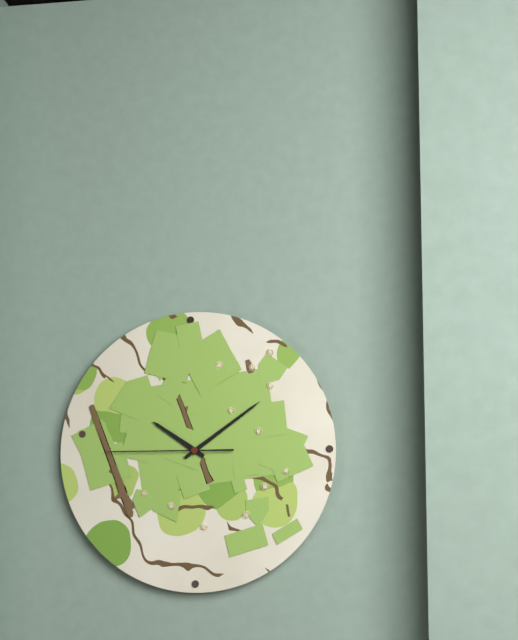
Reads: 10,09,45
